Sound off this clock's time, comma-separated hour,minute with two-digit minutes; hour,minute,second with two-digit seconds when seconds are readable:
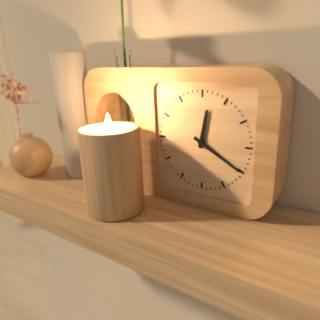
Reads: 12,20
